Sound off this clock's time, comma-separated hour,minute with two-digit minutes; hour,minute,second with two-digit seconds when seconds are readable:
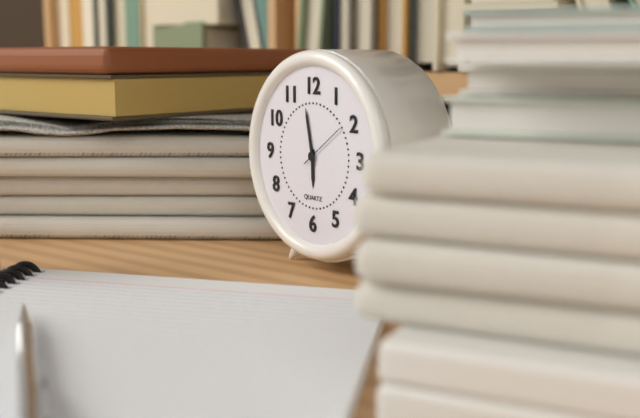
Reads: 5,58,09
